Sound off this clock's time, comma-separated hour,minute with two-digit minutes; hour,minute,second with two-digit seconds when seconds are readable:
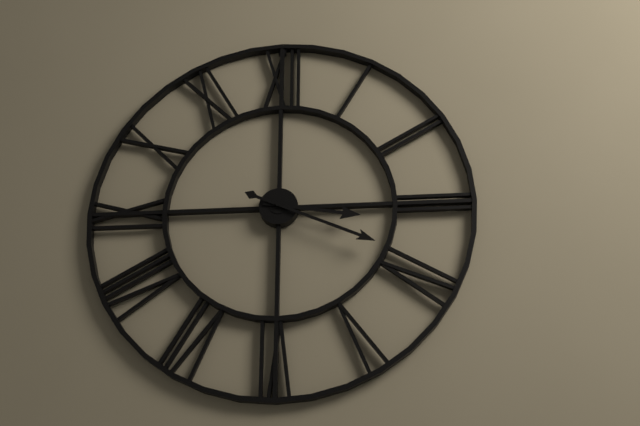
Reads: 3,19
